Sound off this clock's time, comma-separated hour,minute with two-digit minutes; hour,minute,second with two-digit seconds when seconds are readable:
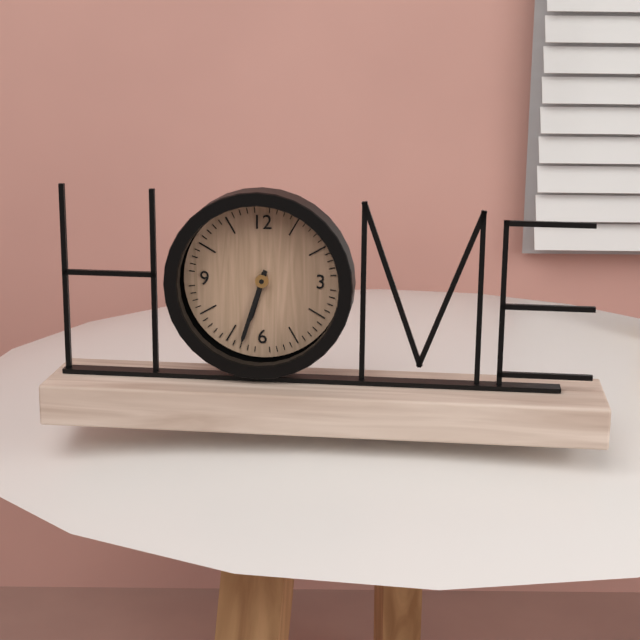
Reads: 6,33
